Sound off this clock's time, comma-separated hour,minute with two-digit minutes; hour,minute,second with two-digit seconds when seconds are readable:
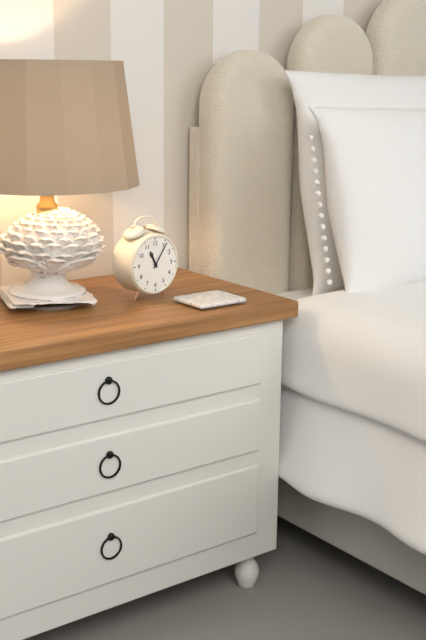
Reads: 11,06
